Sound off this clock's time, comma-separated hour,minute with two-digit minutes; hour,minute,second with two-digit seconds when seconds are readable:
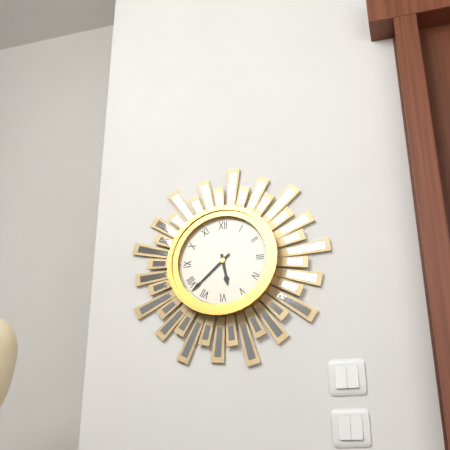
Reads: 5,38
